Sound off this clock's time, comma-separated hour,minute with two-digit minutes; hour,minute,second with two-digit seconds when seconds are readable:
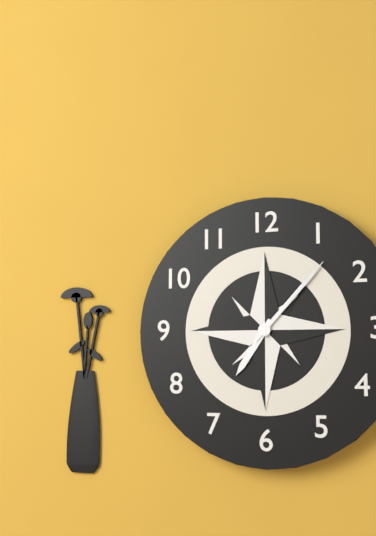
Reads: 7,07
